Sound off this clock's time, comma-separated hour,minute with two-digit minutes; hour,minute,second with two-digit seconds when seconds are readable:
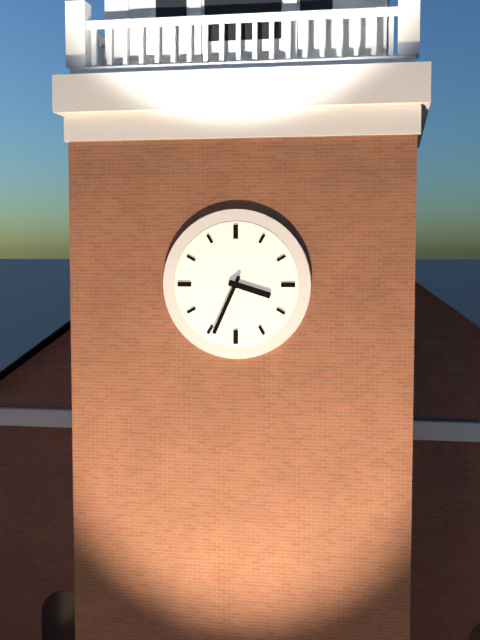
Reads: 3,34
